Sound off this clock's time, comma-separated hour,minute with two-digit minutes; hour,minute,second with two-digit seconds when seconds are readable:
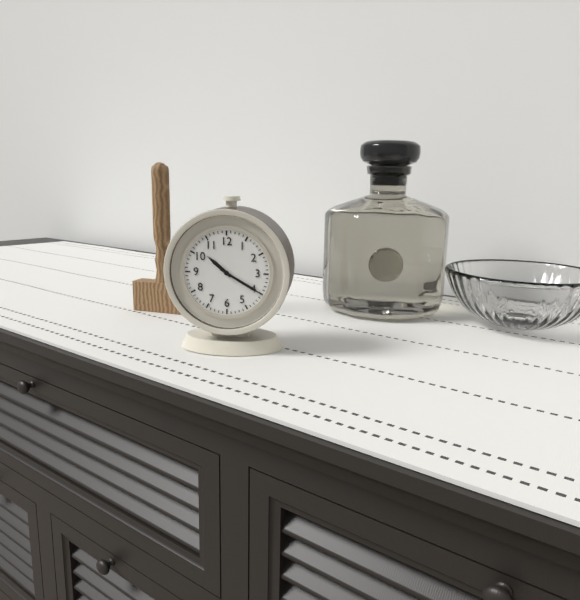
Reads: 10,20
